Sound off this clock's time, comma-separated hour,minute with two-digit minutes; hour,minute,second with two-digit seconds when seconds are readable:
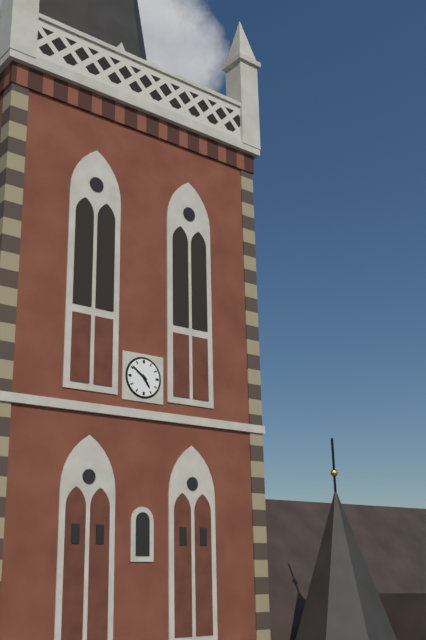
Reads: 4,51
